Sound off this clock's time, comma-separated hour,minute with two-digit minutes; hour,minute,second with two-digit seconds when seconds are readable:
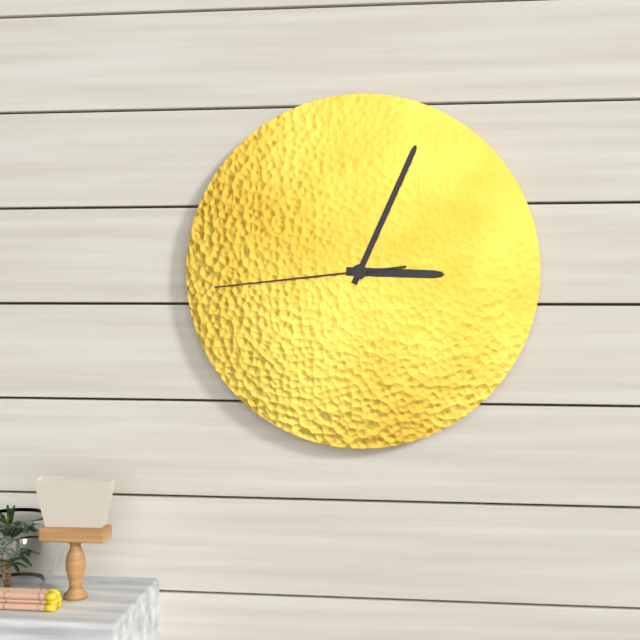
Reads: 3,04,44
